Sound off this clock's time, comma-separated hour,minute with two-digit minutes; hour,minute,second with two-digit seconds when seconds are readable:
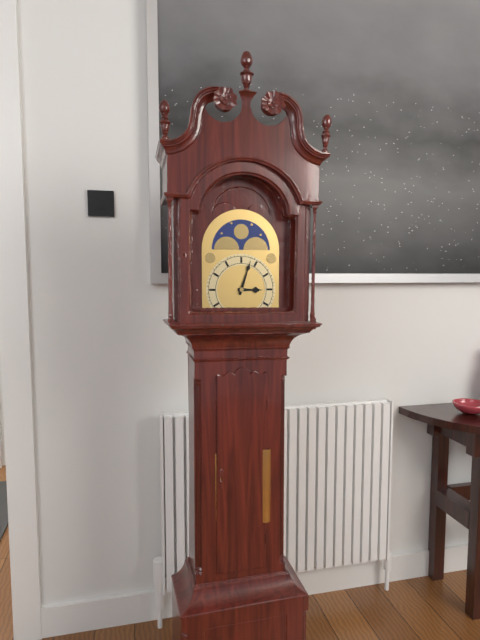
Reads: 3,03
